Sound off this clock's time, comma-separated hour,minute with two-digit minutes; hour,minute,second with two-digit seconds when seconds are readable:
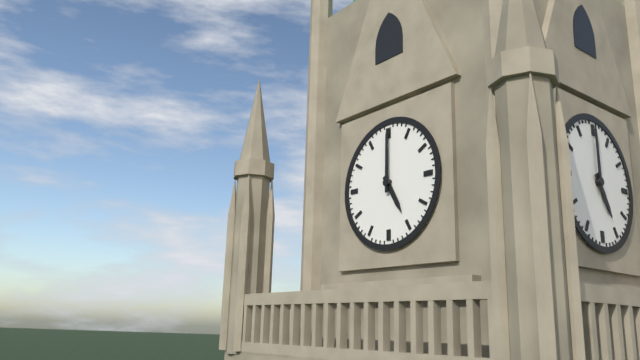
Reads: 5,00
